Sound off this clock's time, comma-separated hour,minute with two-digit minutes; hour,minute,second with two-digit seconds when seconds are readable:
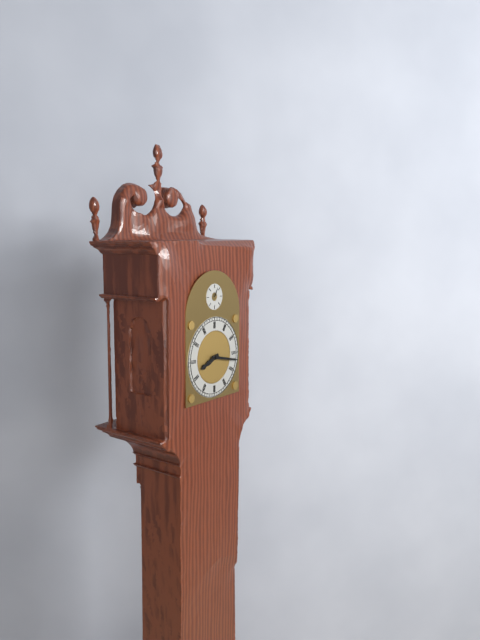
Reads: 8,17
